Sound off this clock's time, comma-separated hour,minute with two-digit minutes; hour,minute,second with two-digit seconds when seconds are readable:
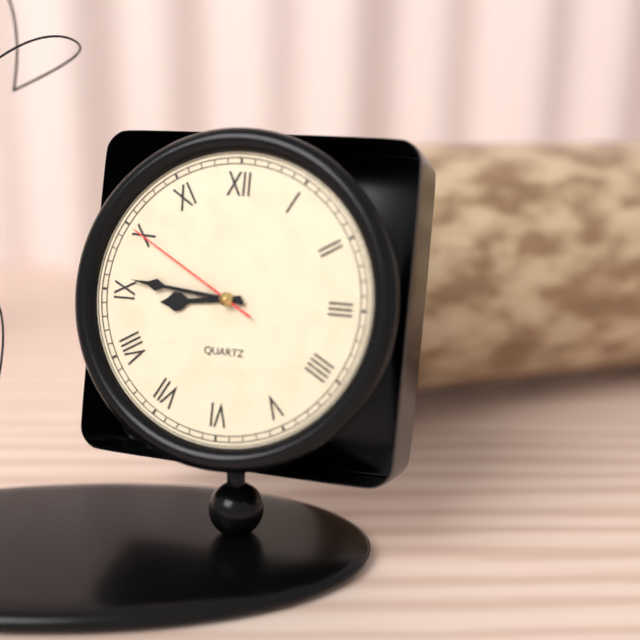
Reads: 8,46,50
